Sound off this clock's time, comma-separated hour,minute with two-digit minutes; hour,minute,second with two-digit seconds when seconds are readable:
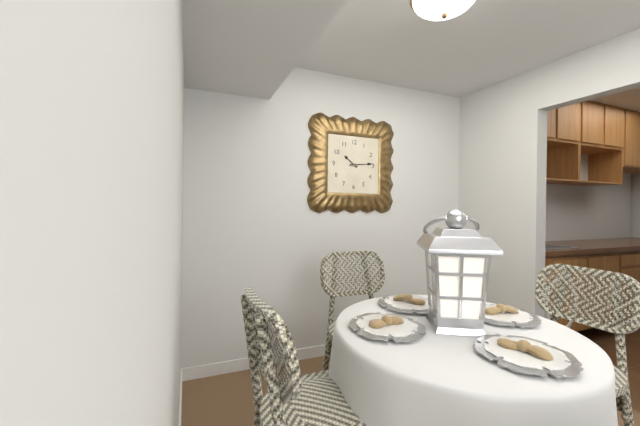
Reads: 10,14
